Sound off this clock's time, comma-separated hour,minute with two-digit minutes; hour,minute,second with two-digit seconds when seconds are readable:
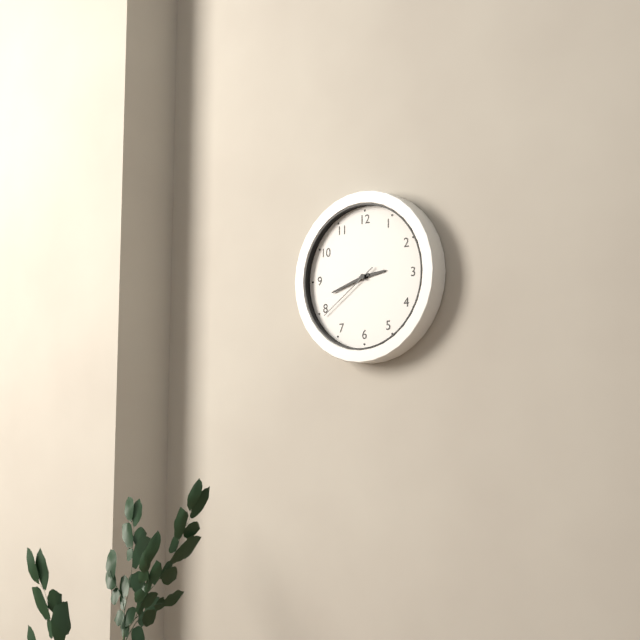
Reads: 2,42,39
